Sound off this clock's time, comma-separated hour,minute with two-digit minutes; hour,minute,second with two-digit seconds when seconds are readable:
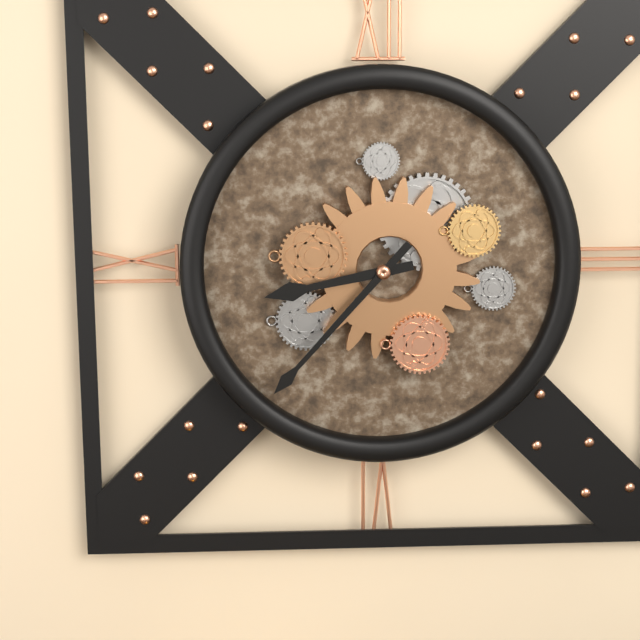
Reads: 8,37
